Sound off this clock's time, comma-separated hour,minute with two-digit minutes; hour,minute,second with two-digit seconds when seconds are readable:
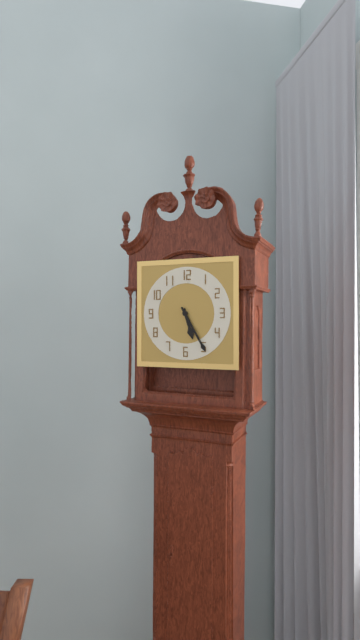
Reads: 5,25
